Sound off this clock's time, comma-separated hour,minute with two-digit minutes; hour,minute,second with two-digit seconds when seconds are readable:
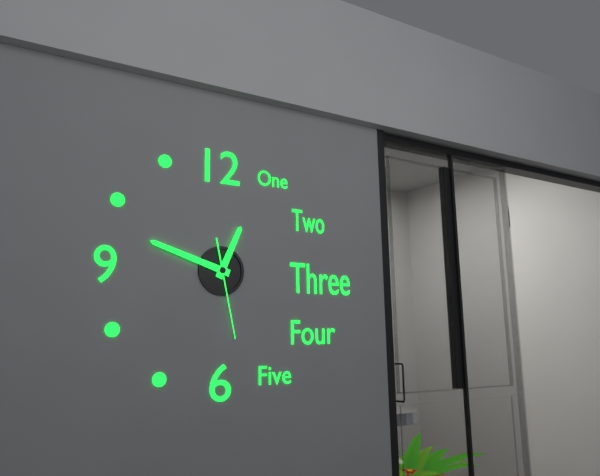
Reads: 12,48,28
